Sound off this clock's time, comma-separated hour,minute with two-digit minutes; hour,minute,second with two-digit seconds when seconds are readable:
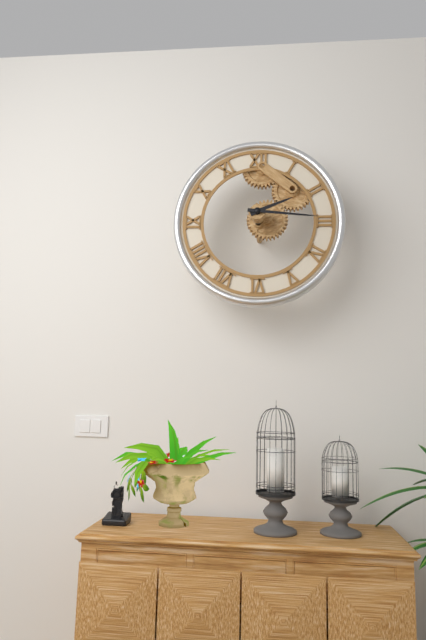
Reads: 2,16
